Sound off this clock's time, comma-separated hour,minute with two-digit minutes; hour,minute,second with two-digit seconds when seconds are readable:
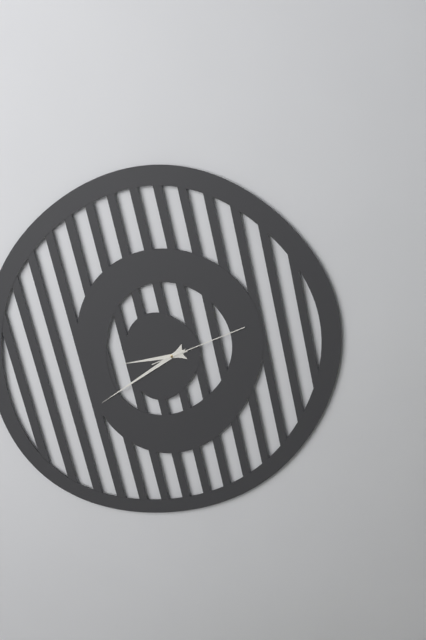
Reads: 8,39,11
